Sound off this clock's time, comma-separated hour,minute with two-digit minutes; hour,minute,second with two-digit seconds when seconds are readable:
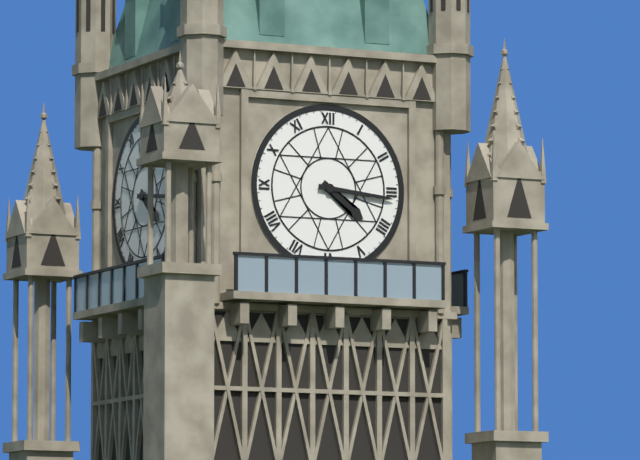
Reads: 4,16
